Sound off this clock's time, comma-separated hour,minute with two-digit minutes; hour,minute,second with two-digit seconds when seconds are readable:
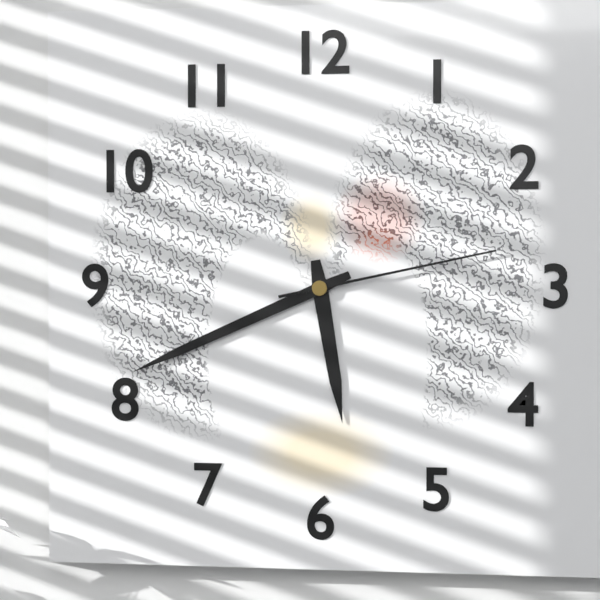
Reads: 5,41,13
